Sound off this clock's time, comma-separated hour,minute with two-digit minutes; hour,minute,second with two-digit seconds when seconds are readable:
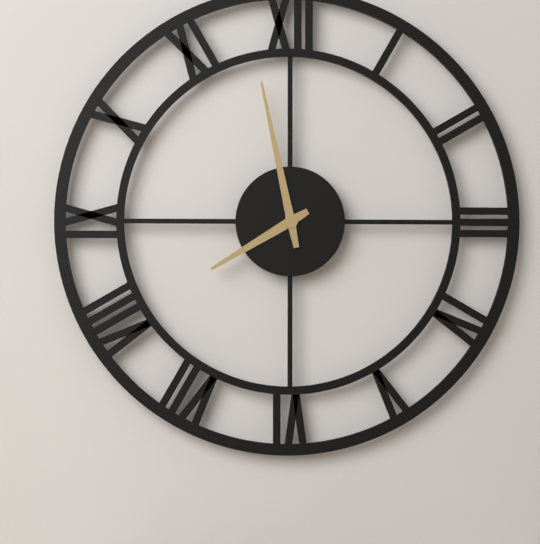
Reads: 7,58
